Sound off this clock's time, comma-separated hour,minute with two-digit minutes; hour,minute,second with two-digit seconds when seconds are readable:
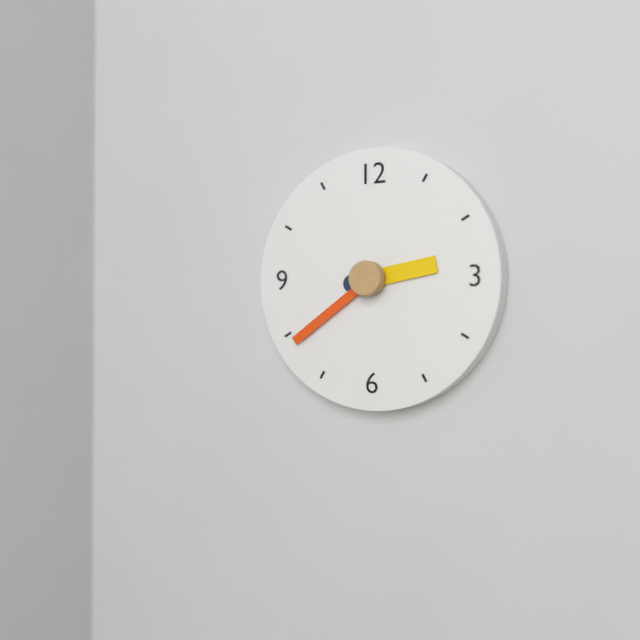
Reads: 2,39
